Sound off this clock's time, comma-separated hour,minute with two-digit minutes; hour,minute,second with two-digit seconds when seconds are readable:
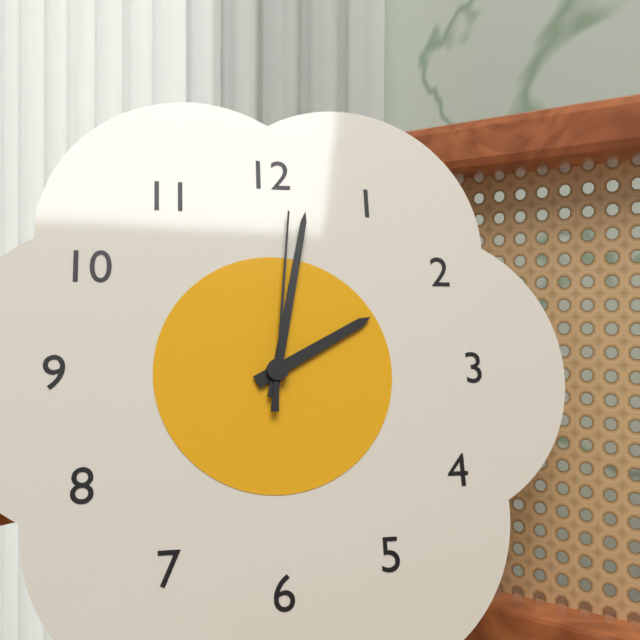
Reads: 2,02,01
